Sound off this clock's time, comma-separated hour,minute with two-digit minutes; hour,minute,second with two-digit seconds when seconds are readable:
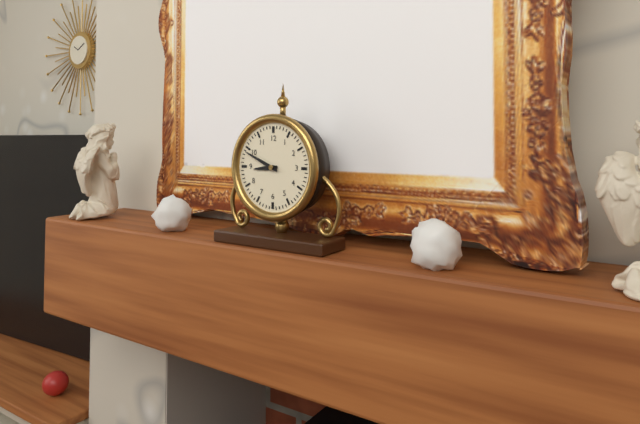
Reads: 8,49
